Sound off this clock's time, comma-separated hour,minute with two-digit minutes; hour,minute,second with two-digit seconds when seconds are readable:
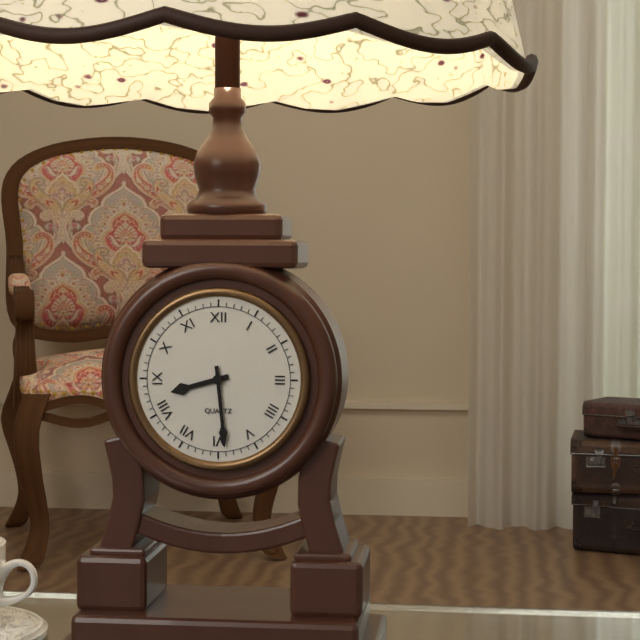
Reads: 8,29
